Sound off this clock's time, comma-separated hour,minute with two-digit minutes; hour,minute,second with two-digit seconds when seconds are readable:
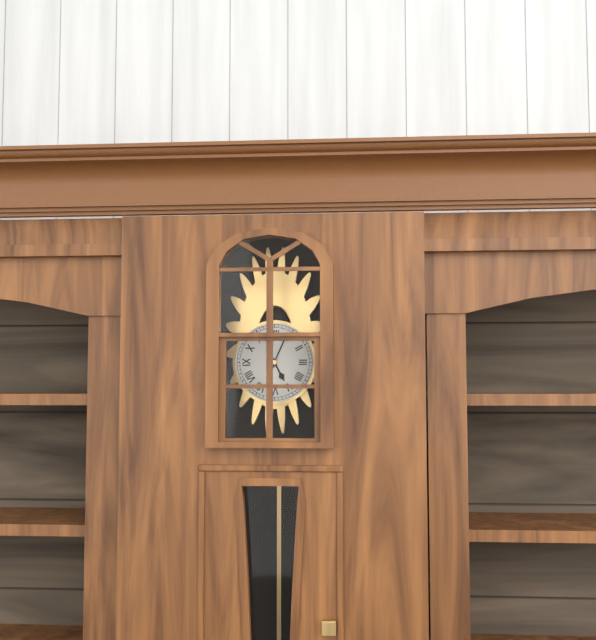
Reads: 5,04
